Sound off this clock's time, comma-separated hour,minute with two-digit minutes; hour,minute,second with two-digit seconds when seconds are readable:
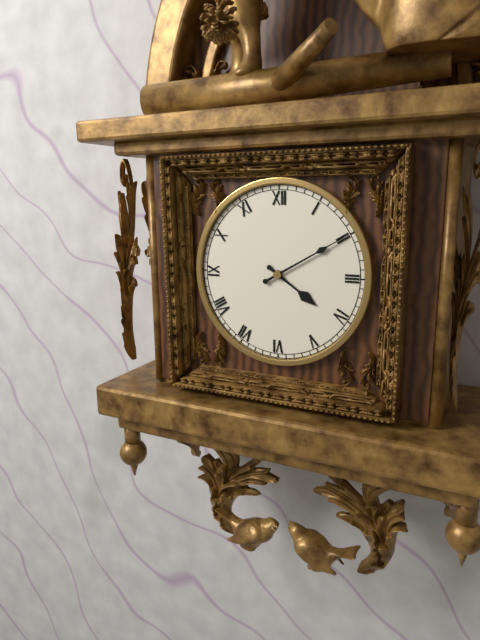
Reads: 4,10
